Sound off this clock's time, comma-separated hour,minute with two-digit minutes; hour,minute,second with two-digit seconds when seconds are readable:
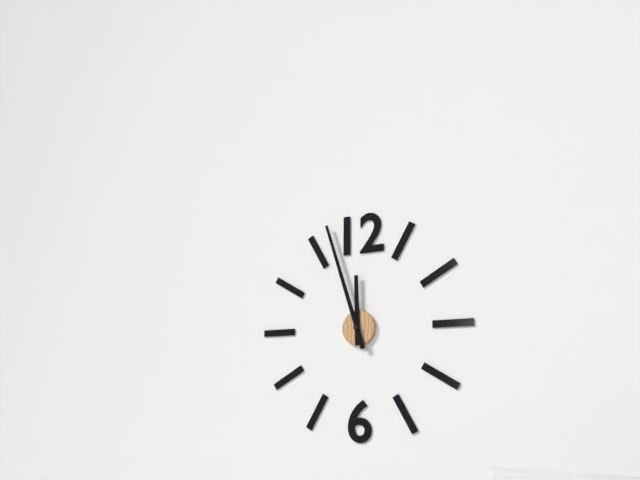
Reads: 11,57
